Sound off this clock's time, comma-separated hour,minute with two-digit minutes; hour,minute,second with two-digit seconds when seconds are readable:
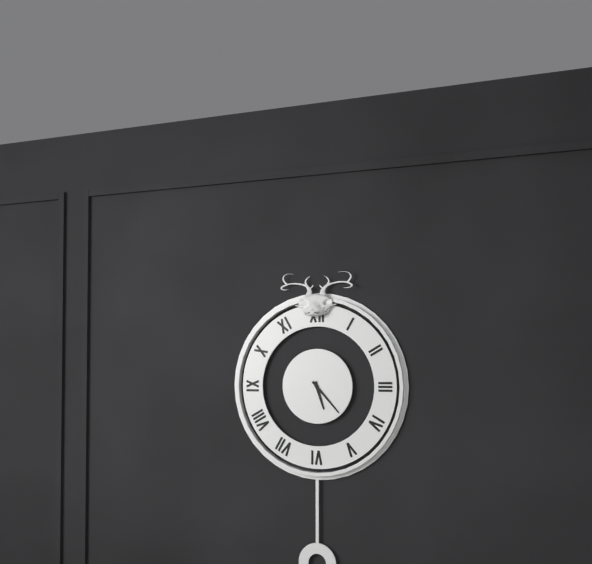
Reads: 5,23
